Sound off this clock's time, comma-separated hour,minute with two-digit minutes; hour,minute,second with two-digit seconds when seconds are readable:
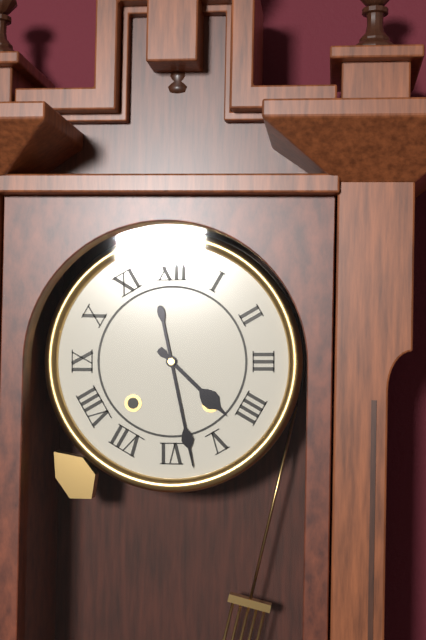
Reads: 4,28
